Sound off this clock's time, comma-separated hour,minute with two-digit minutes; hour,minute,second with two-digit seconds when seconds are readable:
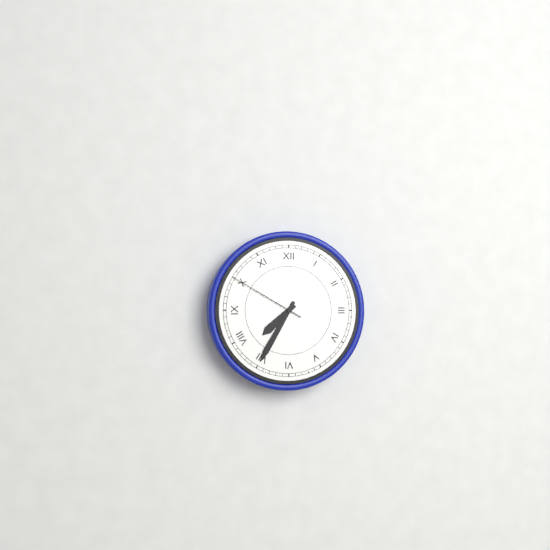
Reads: 7,35,50
